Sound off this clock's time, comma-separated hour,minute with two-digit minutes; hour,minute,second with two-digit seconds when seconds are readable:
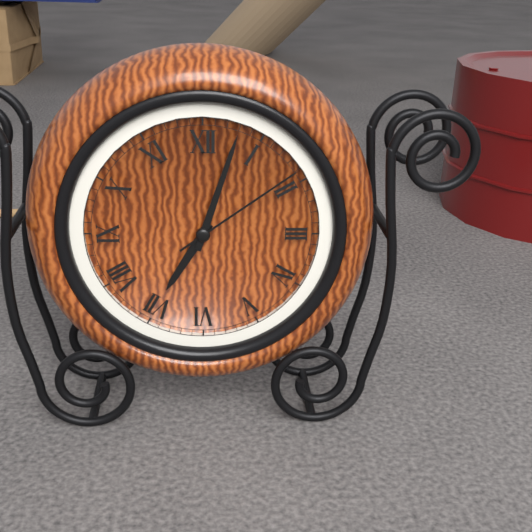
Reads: 7,03,09
